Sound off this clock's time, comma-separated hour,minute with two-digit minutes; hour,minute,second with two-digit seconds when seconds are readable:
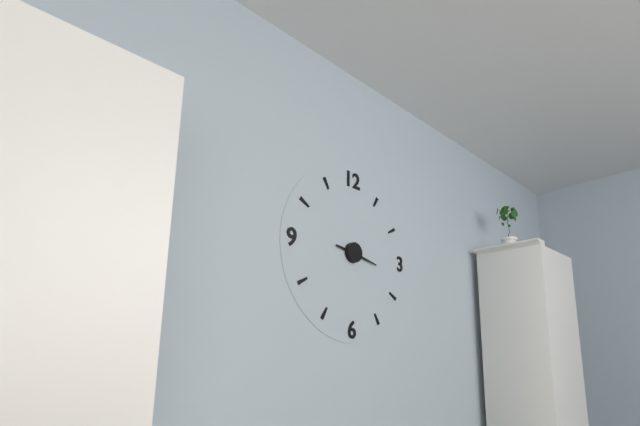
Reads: 9,17
